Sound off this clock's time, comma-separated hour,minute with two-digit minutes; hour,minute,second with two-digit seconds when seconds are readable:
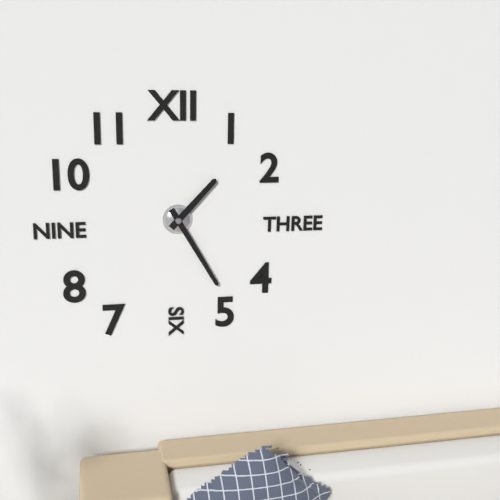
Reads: 1,25
